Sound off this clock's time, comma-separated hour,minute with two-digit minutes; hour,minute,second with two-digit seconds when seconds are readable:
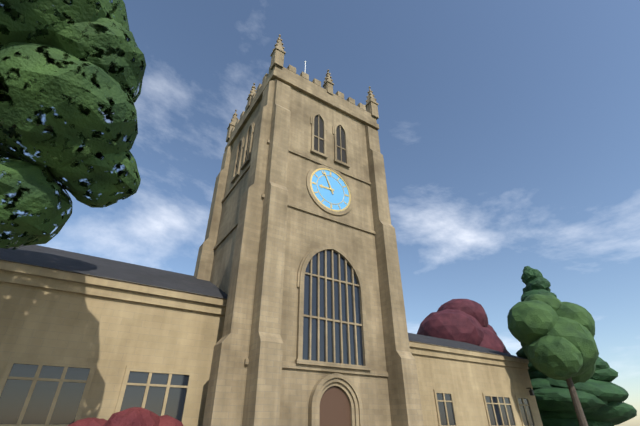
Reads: 8,56
